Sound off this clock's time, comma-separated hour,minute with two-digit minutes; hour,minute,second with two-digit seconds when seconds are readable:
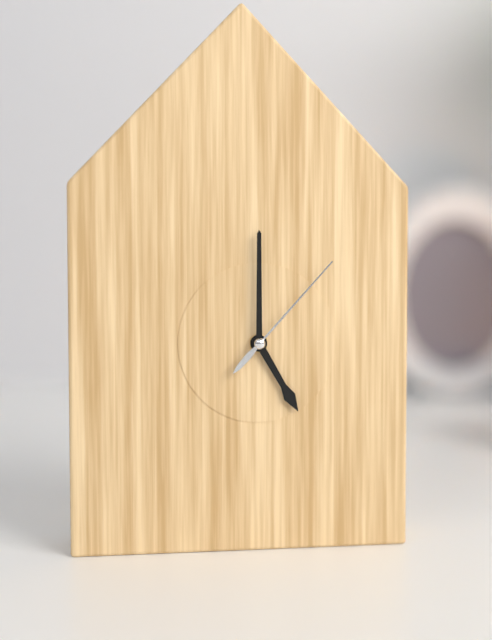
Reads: 5,00,07
